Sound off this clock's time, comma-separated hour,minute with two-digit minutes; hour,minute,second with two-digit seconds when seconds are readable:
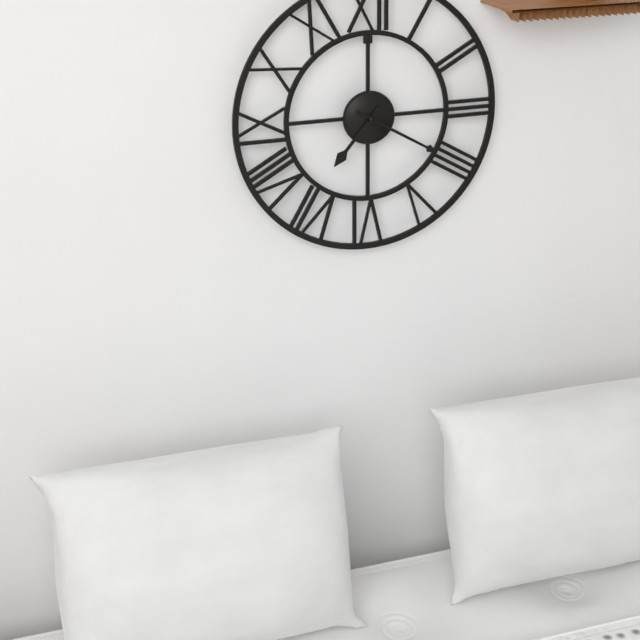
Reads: 7,20
